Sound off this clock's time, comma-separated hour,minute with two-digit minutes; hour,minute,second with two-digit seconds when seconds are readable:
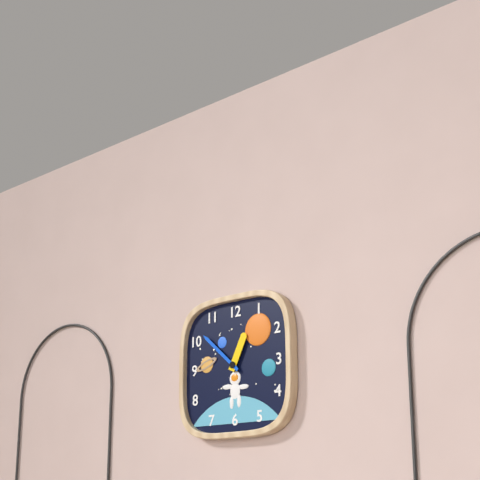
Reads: 12,52
